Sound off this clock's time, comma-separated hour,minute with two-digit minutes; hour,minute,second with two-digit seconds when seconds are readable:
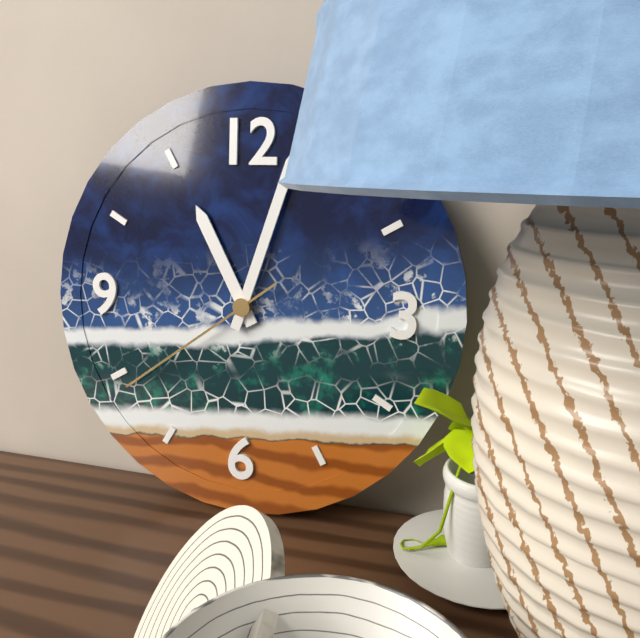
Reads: 11,03,39
